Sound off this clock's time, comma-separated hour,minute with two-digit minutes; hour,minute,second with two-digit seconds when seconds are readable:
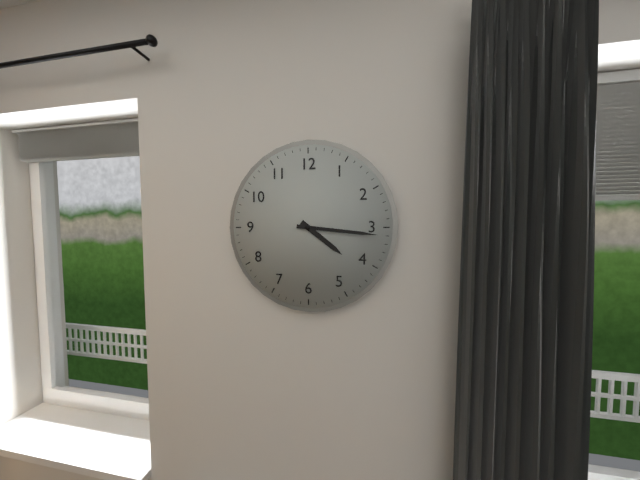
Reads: 4,16
